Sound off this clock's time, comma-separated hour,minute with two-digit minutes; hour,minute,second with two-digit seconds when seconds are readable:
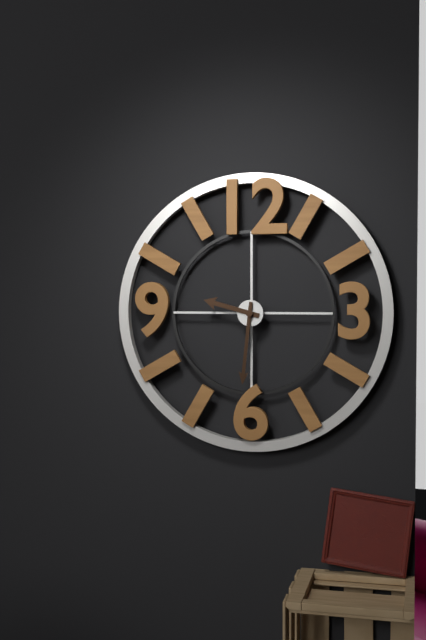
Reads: 9,31
